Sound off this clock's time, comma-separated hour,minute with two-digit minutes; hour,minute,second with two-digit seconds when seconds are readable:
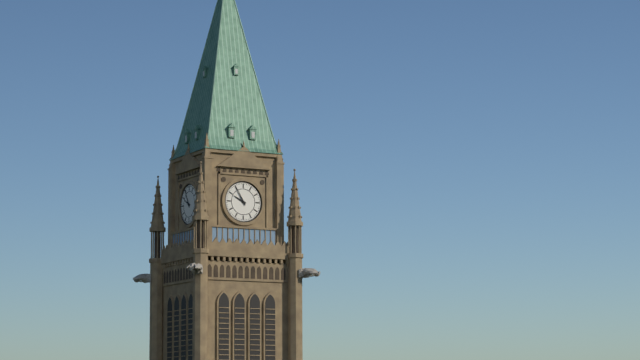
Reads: 9,55
